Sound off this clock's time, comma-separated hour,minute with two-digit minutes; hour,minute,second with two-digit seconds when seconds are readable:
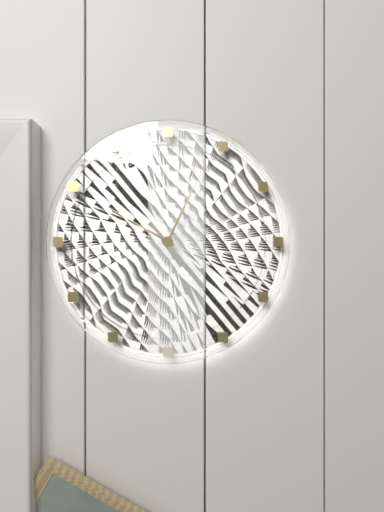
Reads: 12,50
